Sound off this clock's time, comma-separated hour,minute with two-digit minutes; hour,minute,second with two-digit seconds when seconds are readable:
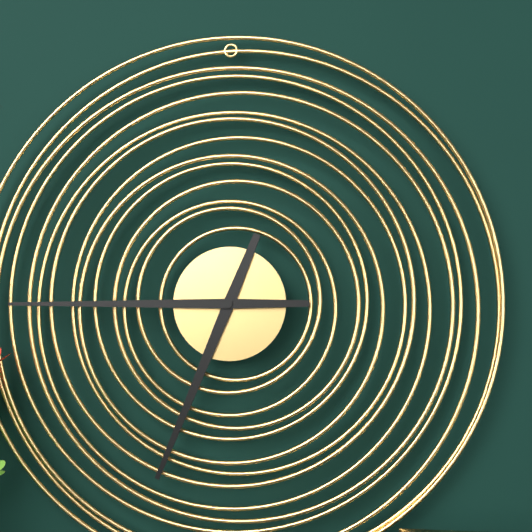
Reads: 6,45
